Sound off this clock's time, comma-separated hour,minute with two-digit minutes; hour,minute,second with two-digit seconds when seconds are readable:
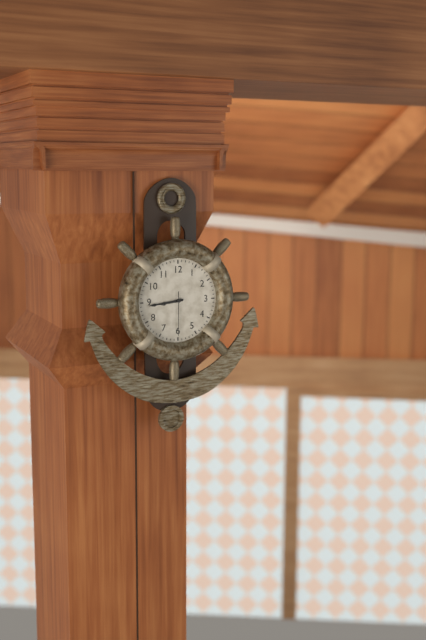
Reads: 8,44
